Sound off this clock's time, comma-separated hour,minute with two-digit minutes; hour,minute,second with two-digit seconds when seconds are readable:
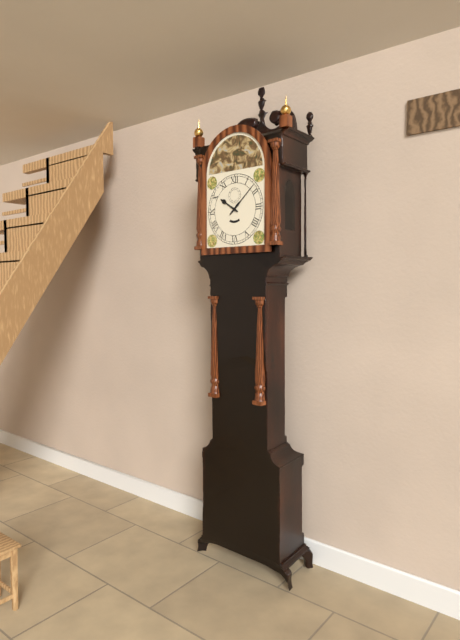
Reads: 10,08
